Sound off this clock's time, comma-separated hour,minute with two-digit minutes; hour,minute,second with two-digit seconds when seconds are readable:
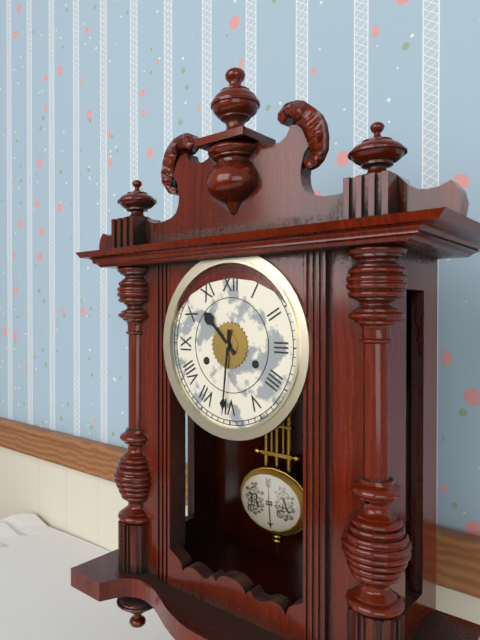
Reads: 10,31
